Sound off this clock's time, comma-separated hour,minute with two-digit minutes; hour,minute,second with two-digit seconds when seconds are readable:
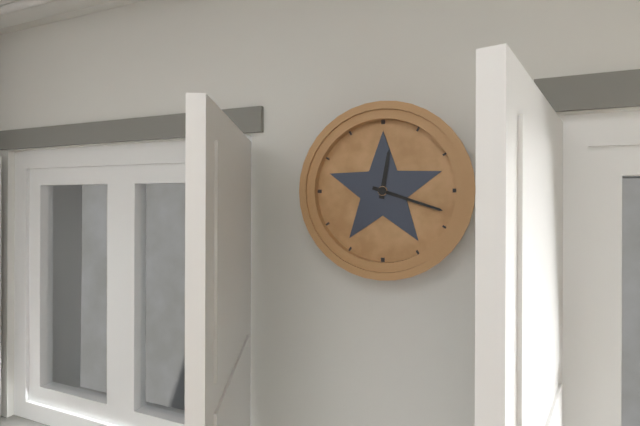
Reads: 12,18
